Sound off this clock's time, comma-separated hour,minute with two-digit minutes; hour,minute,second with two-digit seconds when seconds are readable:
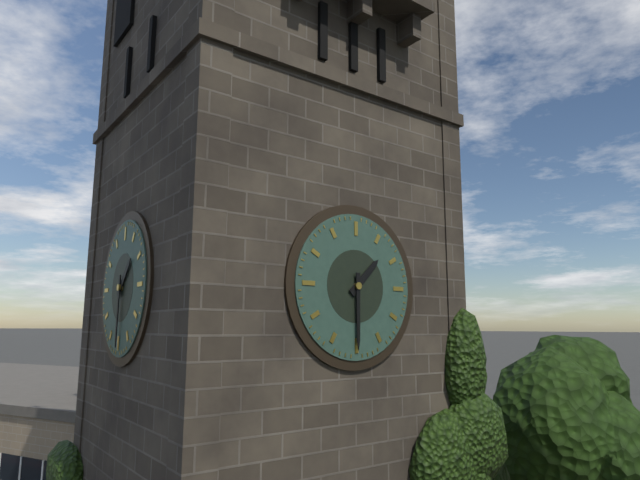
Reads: 1,30
